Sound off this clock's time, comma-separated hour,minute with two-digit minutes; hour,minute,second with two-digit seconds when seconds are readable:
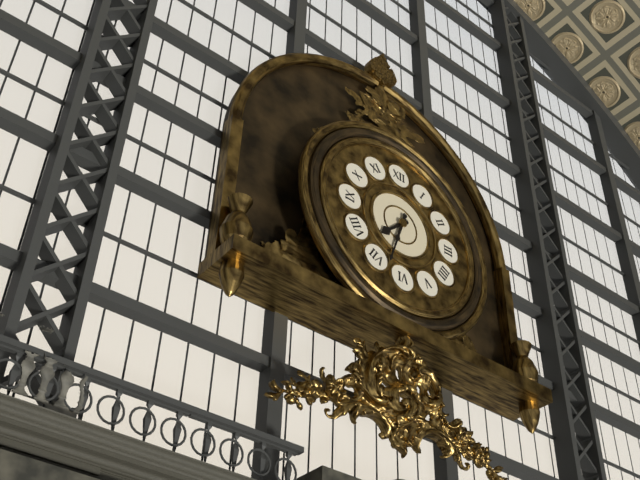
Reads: 7,33
